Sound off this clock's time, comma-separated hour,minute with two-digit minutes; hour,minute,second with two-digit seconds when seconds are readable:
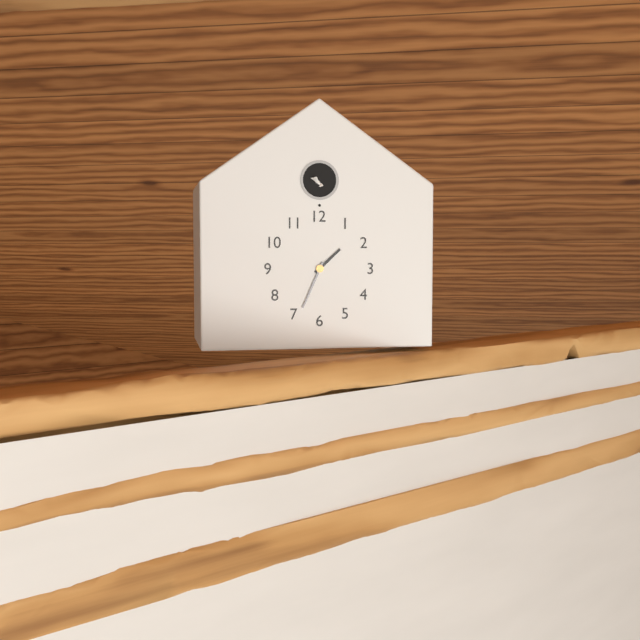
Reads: 1,34
